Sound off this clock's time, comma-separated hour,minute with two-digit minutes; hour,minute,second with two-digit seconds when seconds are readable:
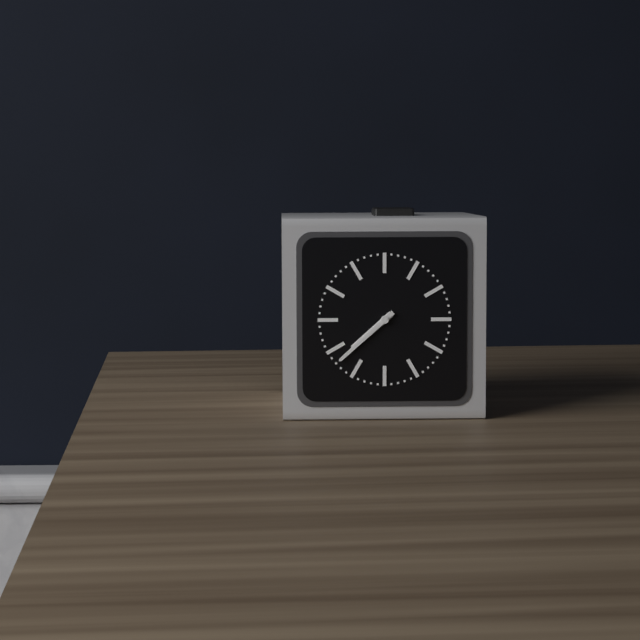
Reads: 7,38
